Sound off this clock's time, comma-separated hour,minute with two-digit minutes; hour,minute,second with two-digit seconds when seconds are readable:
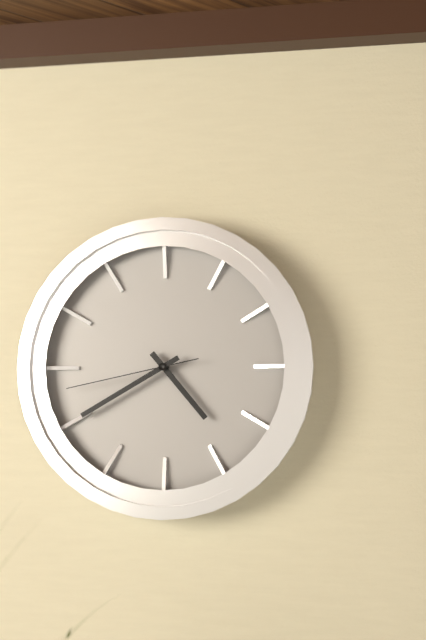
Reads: 4,40,43
